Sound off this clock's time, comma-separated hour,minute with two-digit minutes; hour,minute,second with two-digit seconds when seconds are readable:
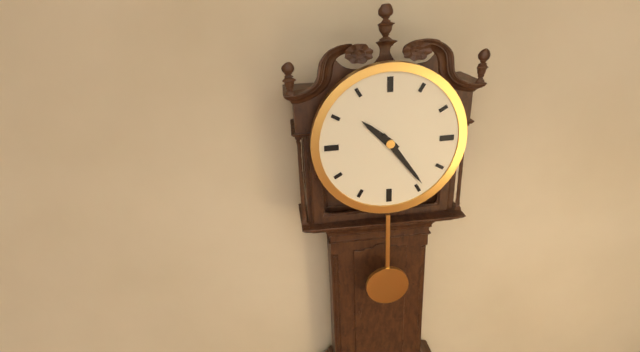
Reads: 10,24
